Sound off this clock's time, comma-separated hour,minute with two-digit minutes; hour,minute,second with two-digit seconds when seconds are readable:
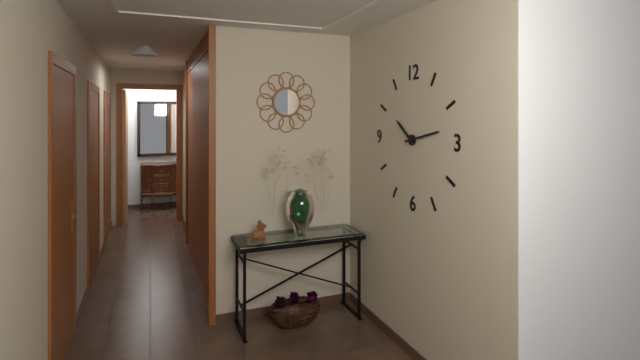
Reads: 10,13
